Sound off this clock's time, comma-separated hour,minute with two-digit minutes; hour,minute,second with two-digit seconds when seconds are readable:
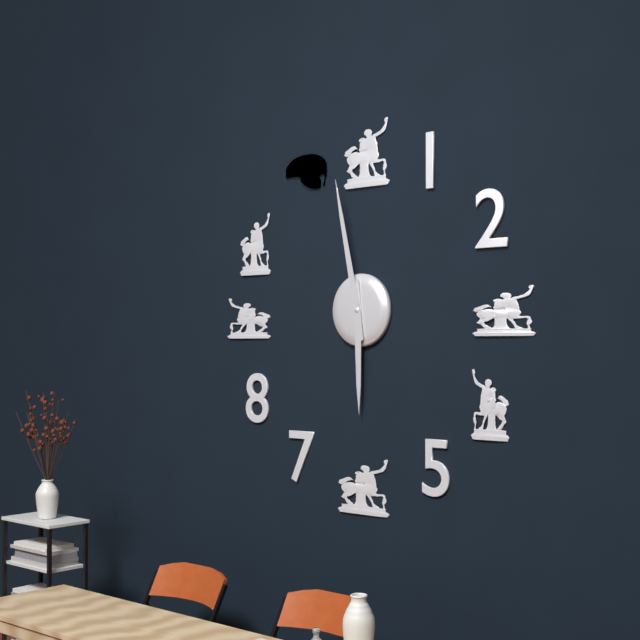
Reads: 5,58
